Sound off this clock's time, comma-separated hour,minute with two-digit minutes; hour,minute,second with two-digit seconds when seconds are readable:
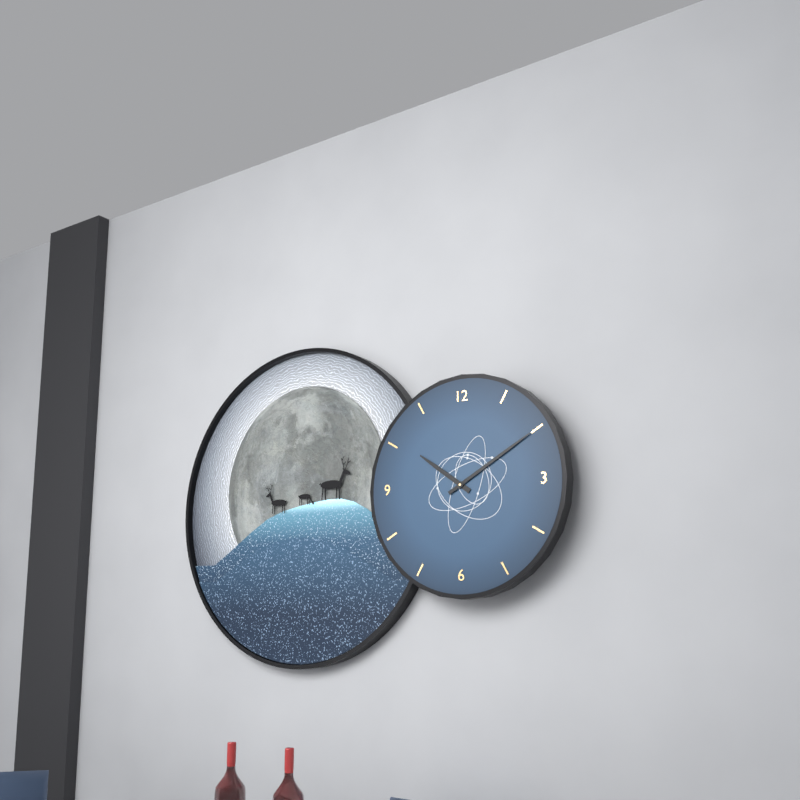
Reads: 10,10
